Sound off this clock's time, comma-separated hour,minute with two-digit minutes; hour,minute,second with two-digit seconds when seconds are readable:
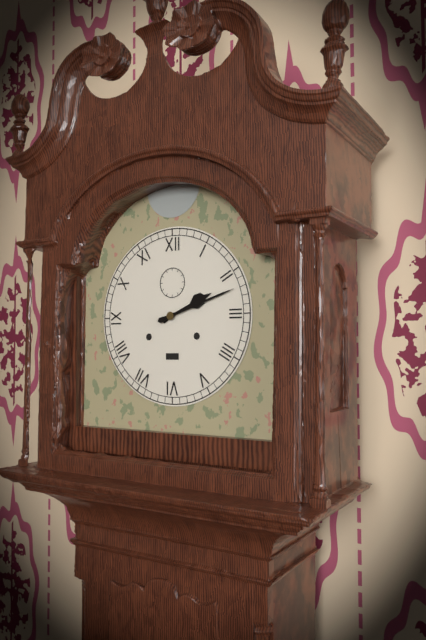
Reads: 2,12
